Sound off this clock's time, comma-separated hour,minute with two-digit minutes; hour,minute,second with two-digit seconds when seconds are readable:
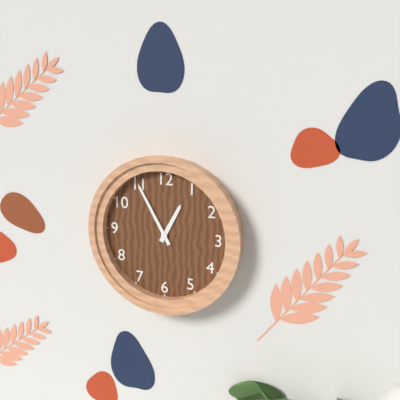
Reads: 12,55
